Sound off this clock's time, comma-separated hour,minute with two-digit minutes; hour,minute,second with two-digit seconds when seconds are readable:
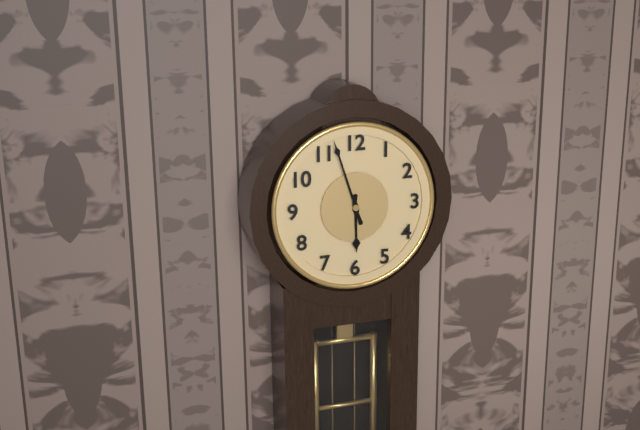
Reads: 5,57
